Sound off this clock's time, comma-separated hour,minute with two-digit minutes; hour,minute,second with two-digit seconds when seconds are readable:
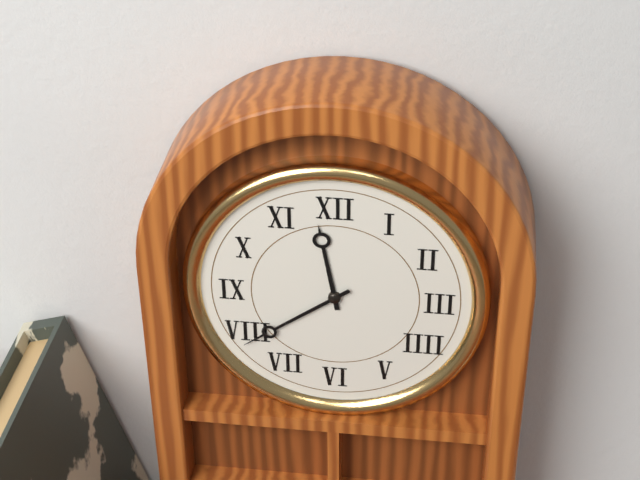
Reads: 11,39
